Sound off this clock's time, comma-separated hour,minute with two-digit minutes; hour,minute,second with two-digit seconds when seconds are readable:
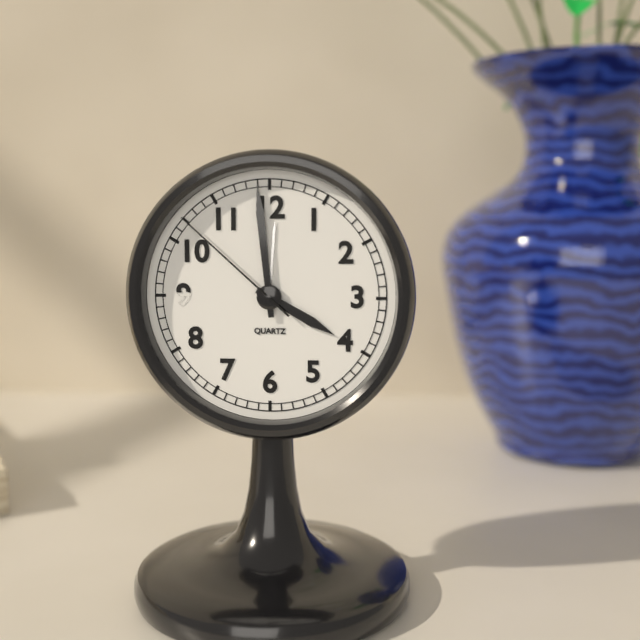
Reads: 3,59,52
